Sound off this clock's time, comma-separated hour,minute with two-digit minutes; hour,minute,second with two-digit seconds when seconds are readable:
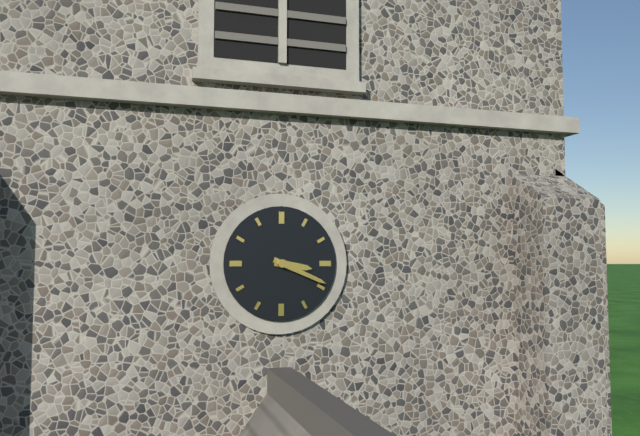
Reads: 3,19
